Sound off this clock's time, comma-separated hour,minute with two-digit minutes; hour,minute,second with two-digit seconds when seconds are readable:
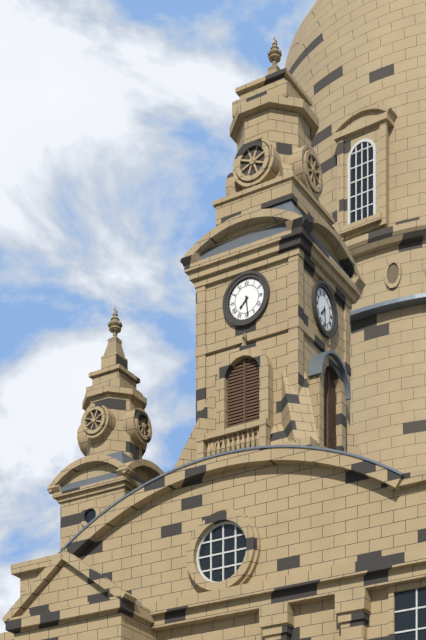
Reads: 7,29
